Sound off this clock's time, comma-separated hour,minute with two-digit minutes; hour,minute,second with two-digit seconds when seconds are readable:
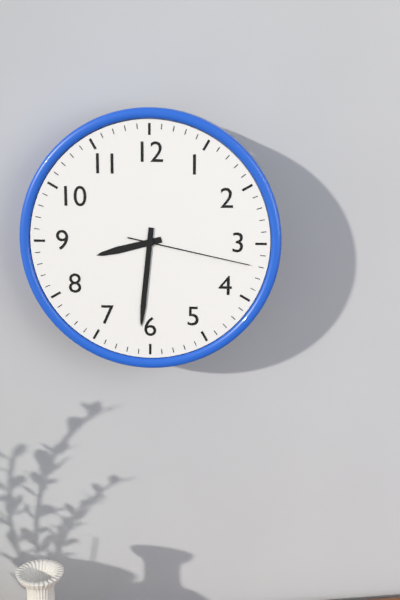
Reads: 8,31,17
